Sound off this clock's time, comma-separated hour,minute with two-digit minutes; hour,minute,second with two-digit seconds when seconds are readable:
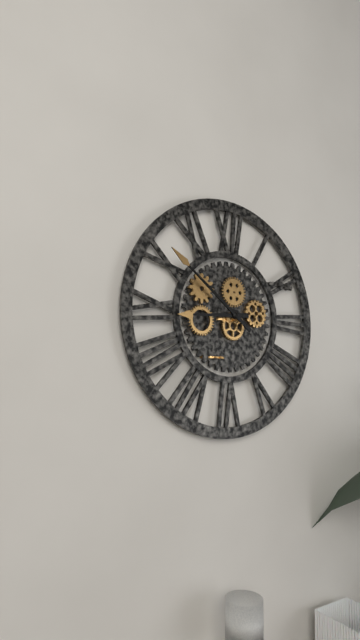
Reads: 8,51
